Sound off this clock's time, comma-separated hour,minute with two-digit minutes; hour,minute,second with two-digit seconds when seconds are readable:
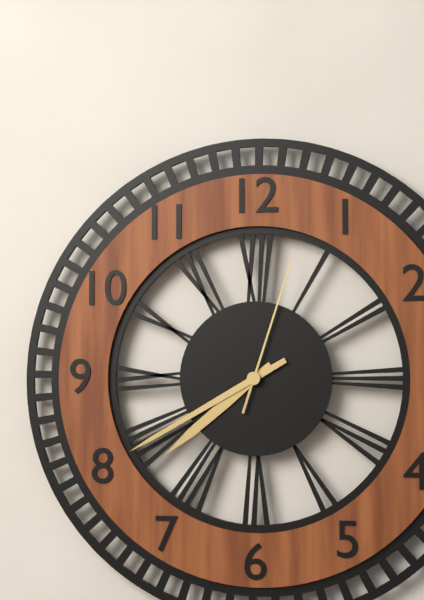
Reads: 7,40,03
